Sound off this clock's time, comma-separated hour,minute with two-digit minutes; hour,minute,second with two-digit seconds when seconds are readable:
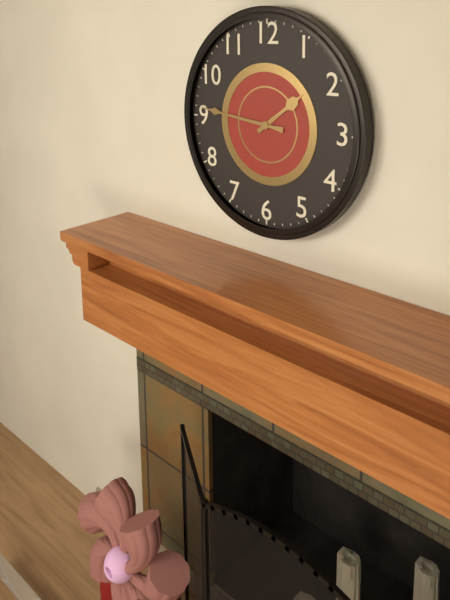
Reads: 1,46
